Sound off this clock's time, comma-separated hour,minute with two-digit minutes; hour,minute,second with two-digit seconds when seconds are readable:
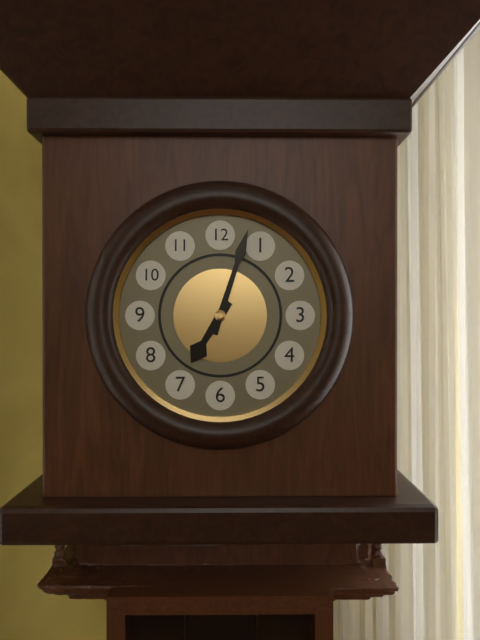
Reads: 7,03
